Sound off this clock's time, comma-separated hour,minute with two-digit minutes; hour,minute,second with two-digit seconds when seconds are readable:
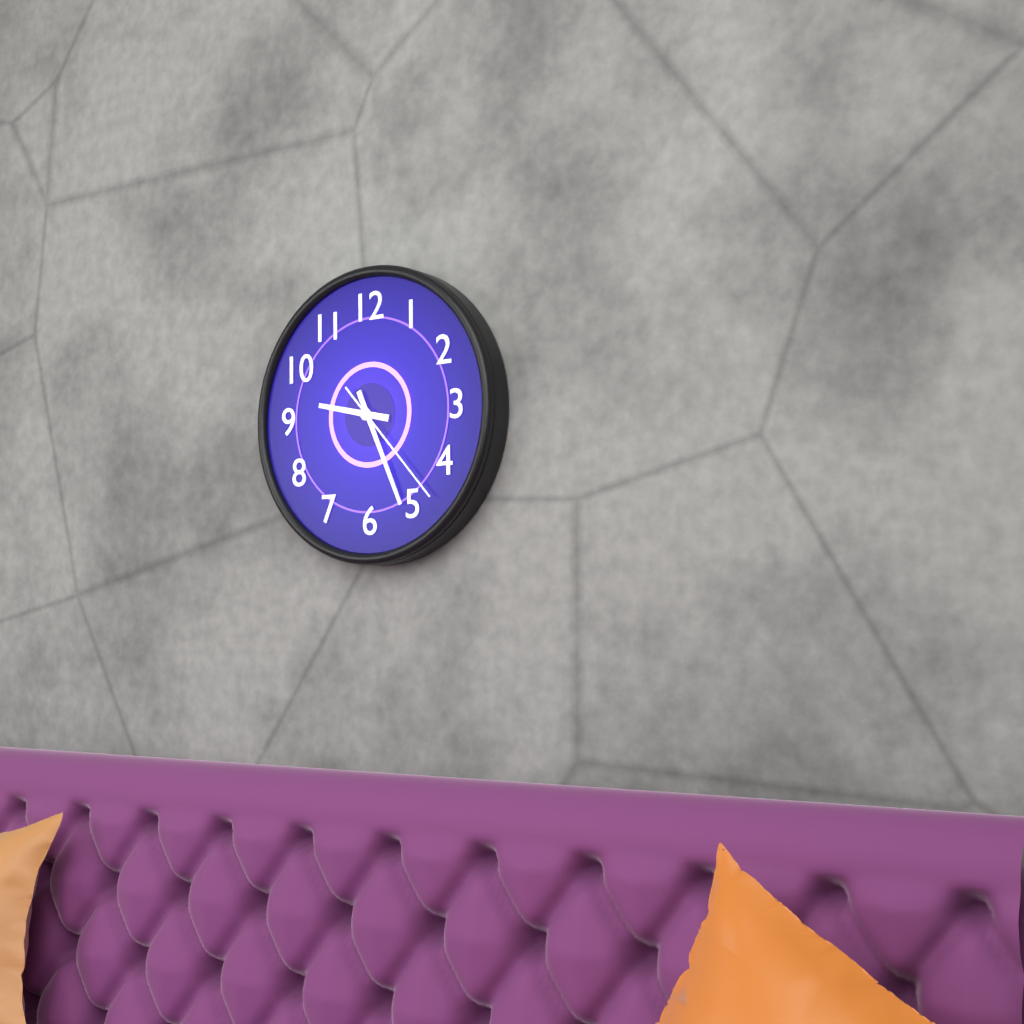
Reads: 9,26,23
